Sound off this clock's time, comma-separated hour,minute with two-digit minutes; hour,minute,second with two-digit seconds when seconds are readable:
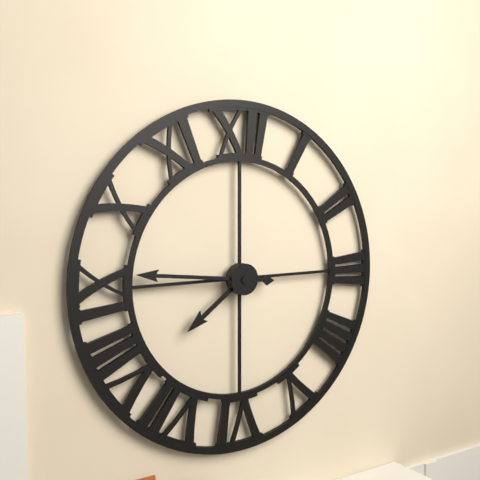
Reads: 7,46
